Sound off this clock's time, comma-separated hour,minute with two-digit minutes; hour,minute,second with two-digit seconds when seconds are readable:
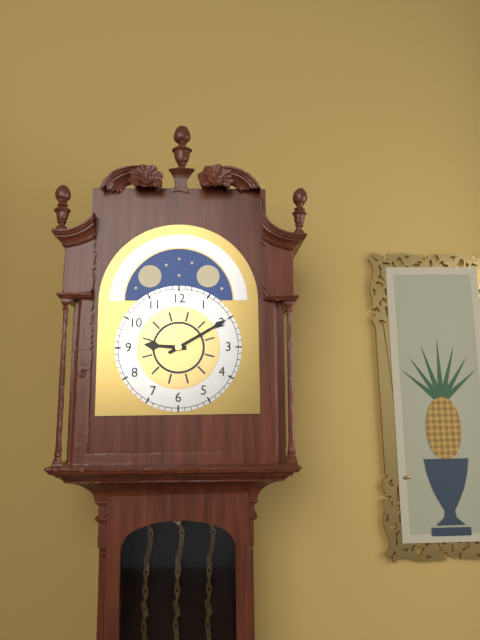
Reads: 9,10
